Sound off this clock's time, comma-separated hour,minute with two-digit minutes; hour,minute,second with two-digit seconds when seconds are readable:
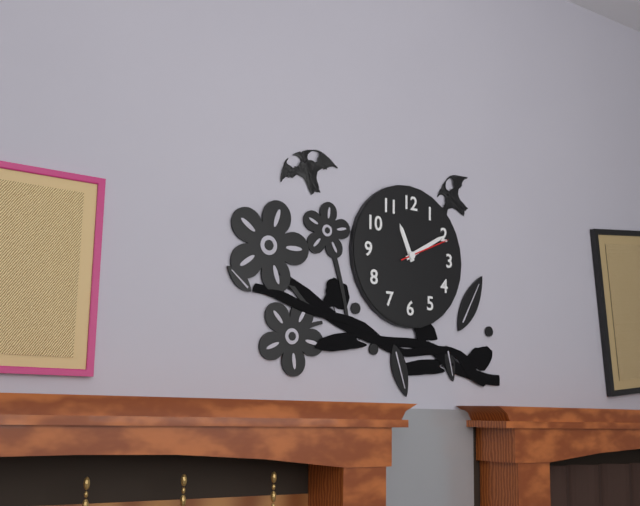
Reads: 11,10,11
